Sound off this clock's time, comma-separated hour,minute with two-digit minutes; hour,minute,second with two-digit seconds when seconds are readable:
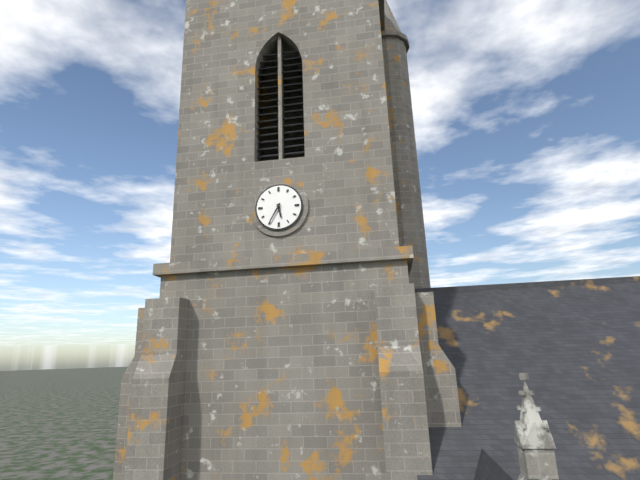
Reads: 5,35
